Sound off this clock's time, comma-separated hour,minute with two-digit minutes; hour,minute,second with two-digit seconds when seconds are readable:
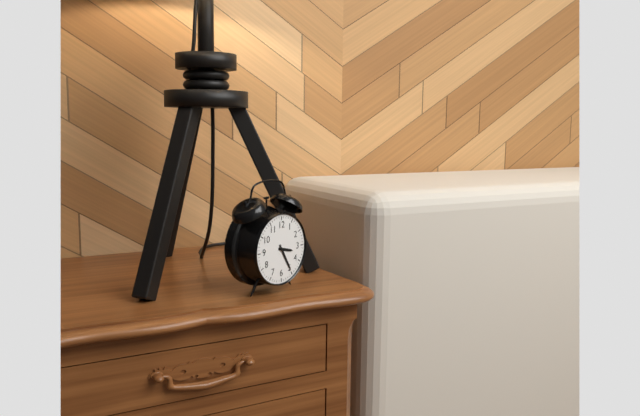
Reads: 3,25
